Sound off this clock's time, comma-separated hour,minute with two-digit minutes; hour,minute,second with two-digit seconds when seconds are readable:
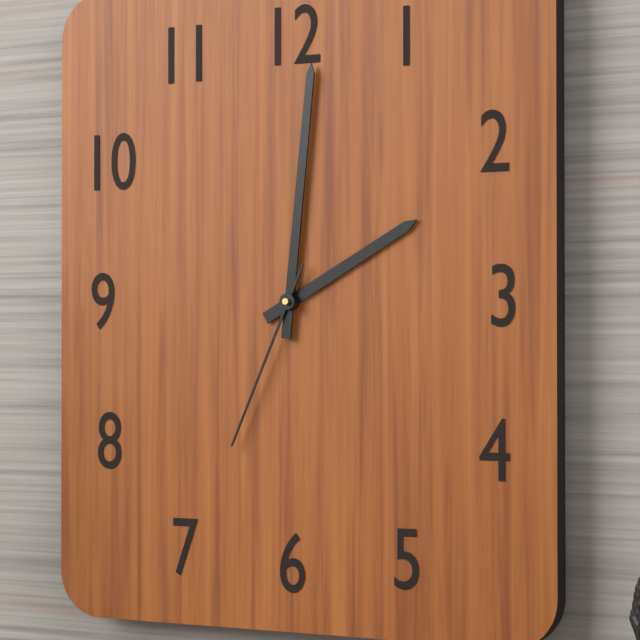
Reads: 2,01,34
